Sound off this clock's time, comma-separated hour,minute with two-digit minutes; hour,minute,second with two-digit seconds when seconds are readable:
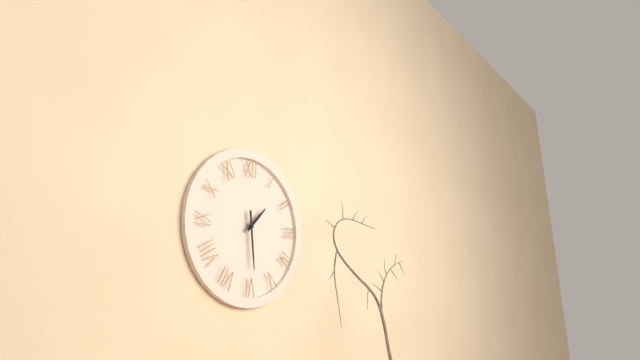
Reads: 1,29
